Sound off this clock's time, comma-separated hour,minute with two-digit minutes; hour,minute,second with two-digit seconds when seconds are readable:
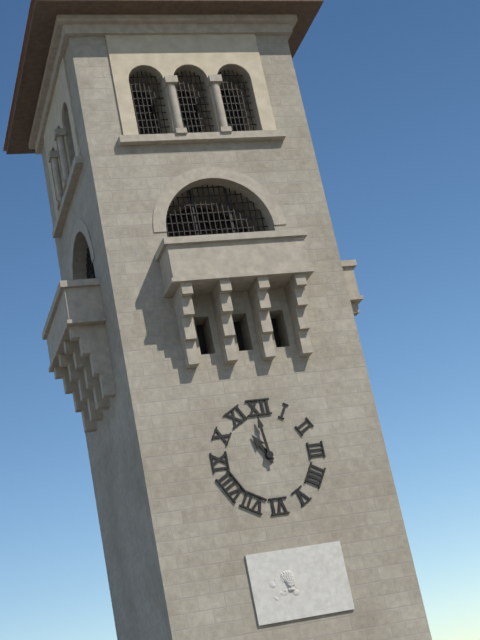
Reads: 10,59
